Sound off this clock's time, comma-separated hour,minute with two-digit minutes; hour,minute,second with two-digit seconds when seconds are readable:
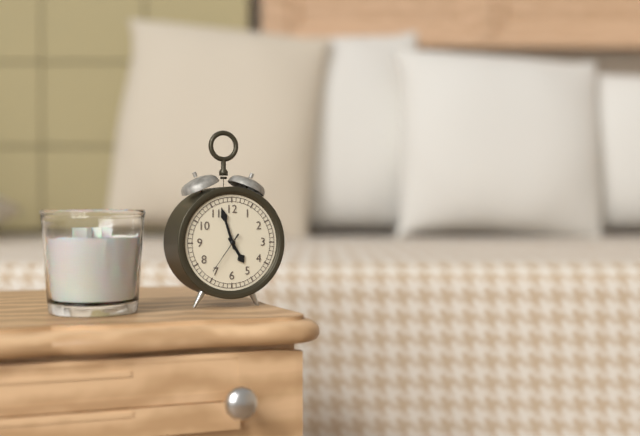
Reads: 4,57
